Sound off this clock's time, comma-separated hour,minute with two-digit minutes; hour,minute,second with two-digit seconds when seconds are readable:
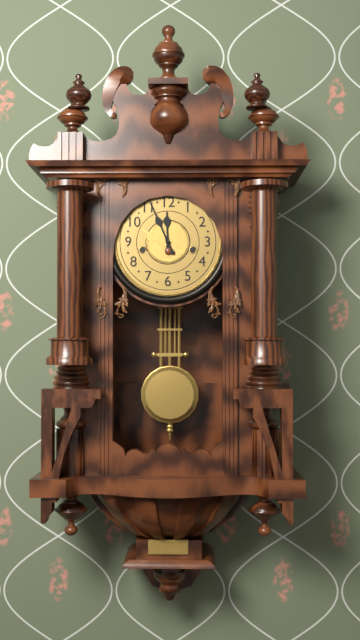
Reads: 11,56
